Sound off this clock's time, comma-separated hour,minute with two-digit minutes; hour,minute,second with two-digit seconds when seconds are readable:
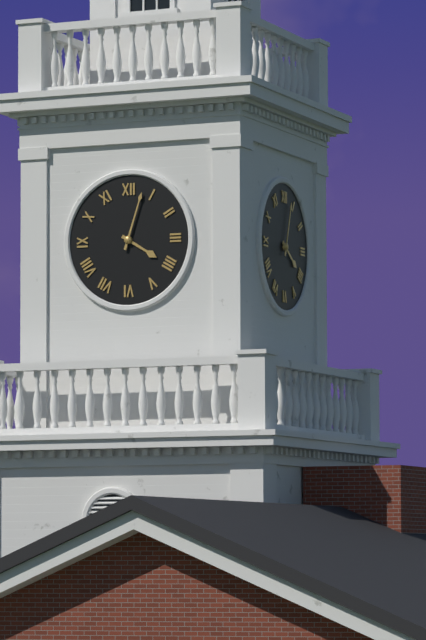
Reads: 4,03
